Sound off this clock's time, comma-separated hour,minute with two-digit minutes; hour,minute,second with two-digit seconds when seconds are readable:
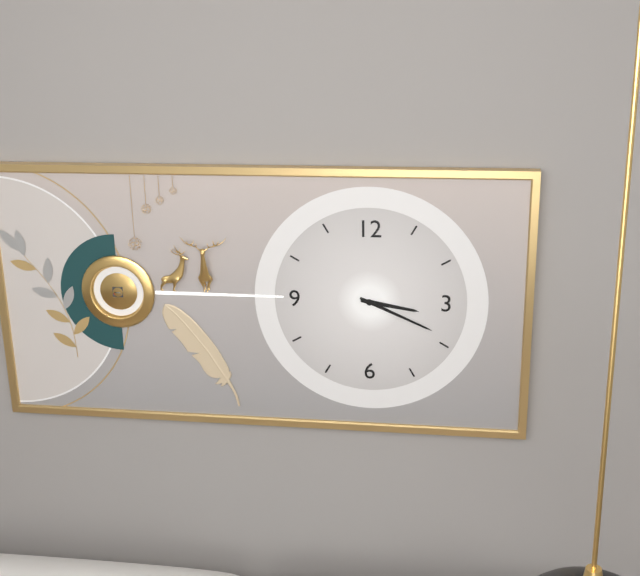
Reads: 3,19
